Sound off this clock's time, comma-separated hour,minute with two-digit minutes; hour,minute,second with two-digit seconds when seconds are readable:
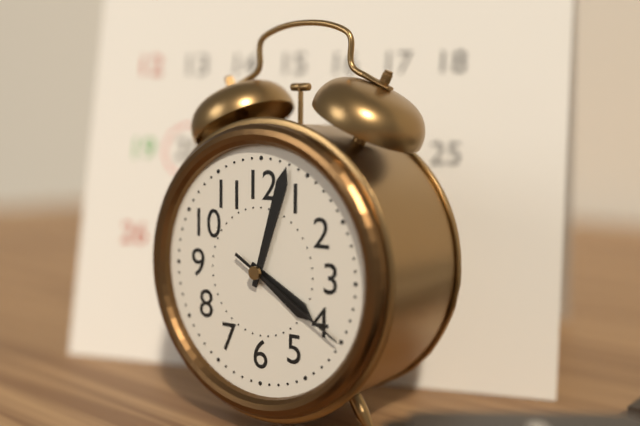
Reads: 4,03,20
